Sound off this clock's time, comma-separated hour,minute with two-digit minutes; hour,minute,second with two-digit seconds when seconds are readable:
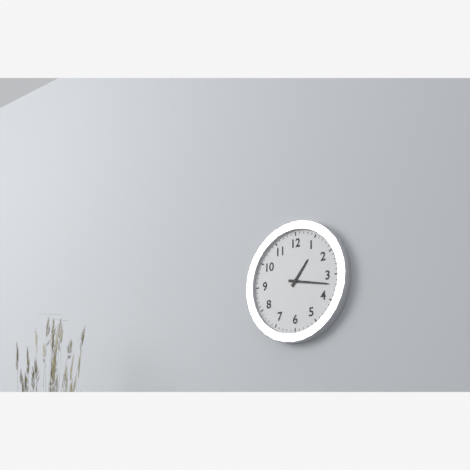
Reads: 1,17
